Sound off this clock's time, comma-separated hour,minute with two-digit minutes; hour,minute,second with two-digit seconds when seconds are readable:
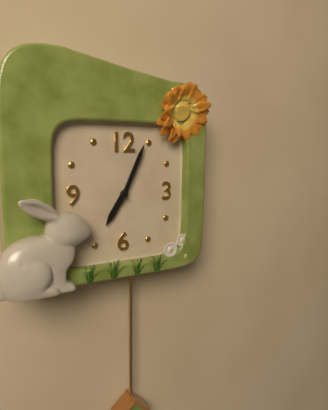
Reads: 7,04
